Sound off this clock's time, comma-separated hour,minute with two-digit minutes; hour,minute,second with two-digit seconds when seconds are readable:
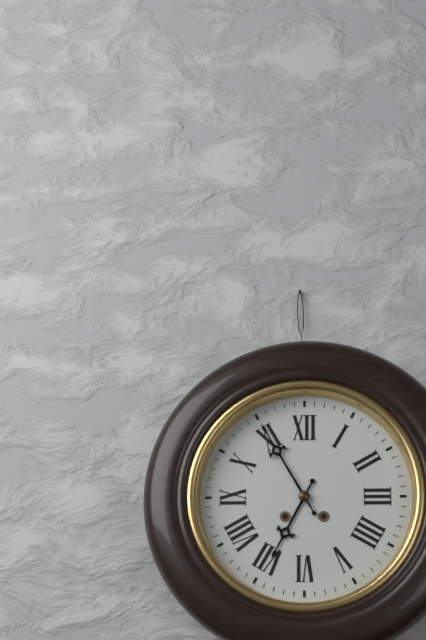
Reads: 6,55
